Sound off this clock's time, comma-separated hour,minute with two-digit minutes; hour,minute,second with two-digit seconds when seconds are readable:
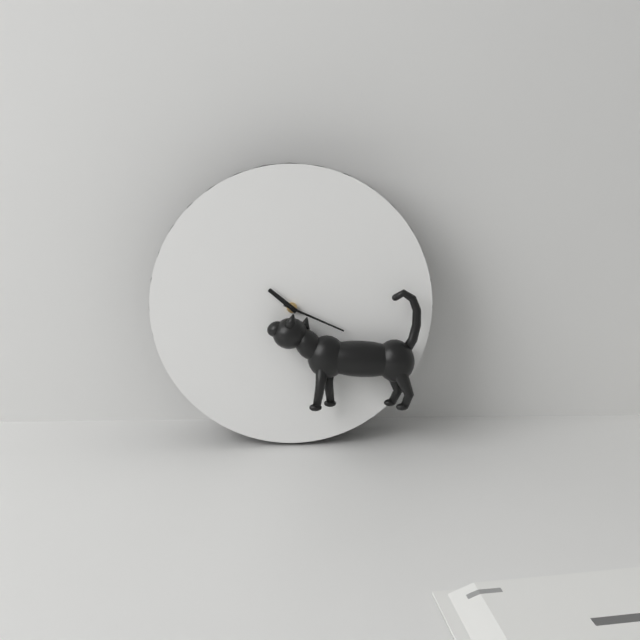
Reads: 10,19
